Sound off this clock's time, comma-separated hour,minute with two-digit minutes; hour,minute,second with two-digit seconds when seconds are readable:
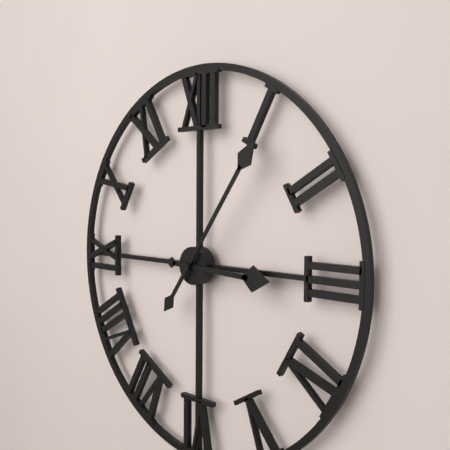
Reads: 3,06
